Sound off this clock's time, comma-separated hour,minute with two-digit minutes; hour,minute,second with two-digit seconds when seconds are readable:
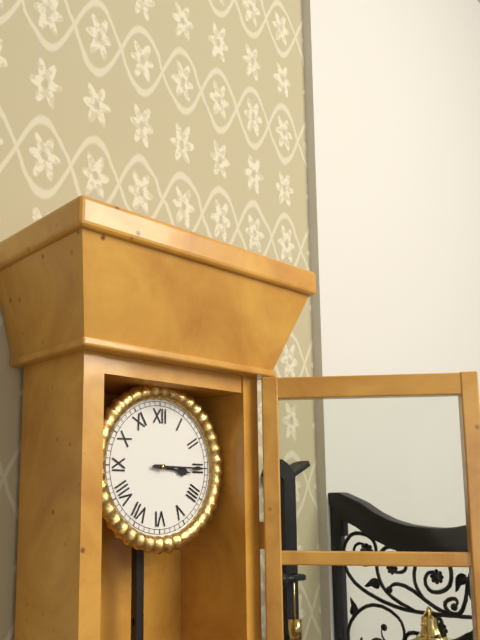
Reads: 3,15
